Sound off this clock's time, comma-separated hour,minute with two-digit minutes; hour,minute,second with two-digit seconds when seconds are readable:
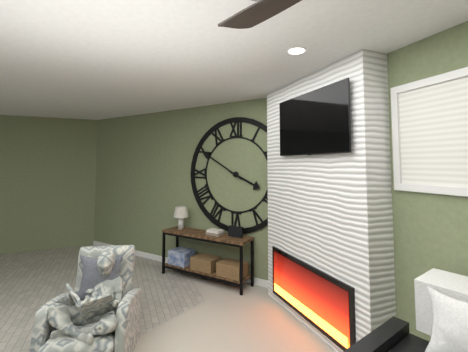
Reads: 3,50
